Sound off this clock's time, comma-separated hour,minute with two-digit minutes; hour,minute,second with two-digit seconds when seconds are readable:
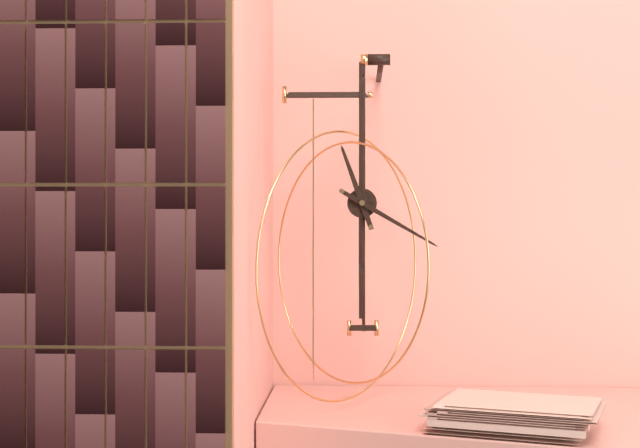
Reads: 11,20
